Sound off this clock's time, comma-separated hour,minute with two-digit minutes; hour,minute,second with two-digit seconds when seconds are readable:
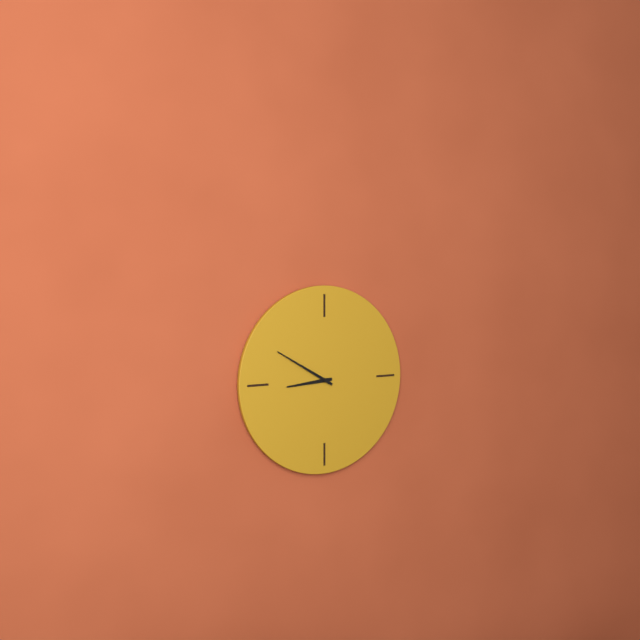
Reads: 8,50
